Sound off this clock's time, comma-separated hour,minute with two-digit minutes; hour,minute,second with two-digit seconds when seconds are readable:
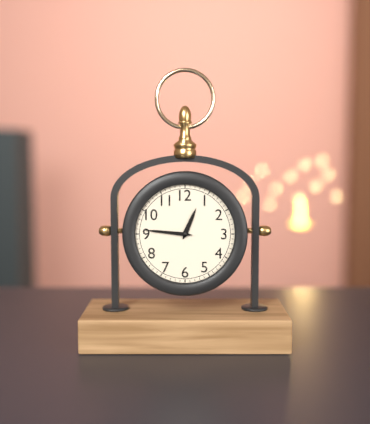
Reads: 12,46
